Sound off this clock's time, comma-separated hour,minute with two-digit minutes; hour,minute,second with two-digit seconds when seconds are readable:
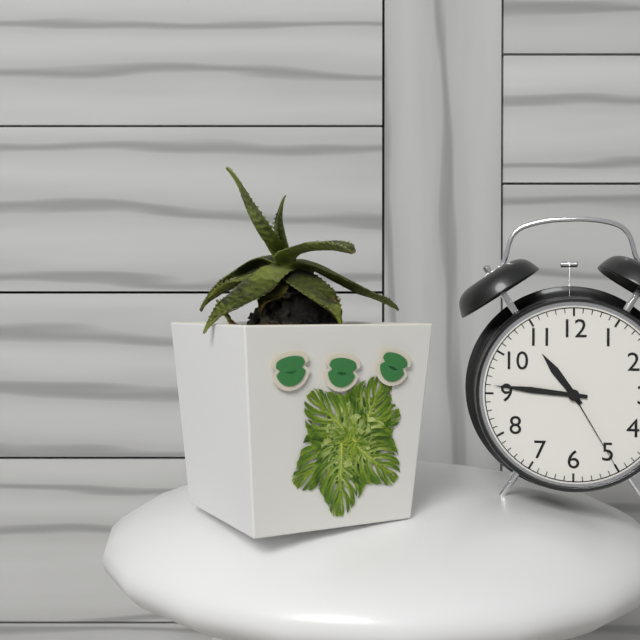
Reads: 10,46,25
